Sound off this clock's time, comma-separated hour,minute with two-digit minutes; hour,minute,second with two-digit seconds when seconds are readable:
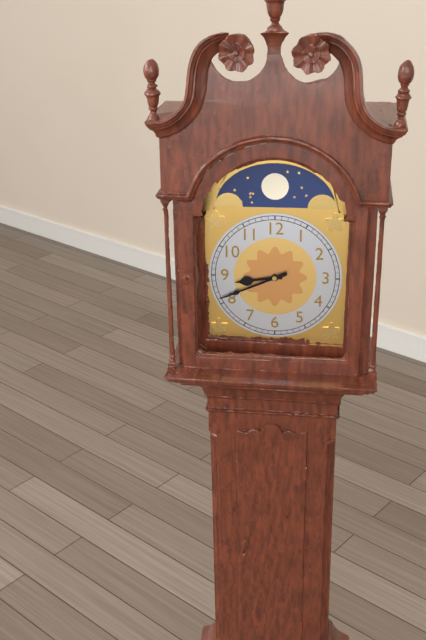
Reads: 8,41
